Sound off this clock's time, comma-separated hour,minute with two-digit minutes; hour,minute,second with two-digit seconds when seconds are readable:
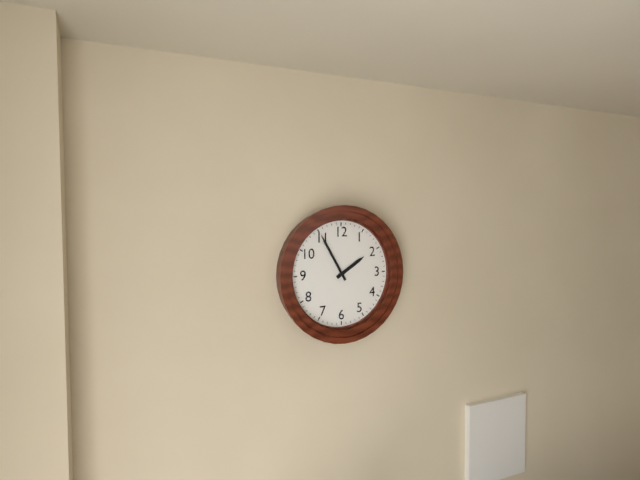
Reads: 1,55
